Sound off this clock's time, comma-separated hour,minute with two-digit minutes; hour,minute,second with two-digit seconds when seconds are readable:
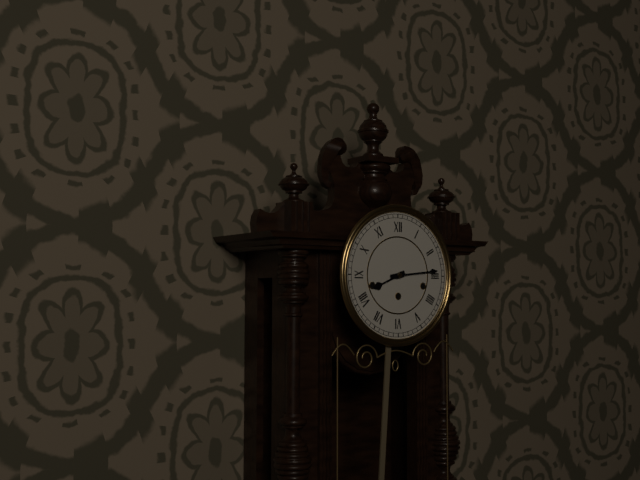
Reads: 8,14
